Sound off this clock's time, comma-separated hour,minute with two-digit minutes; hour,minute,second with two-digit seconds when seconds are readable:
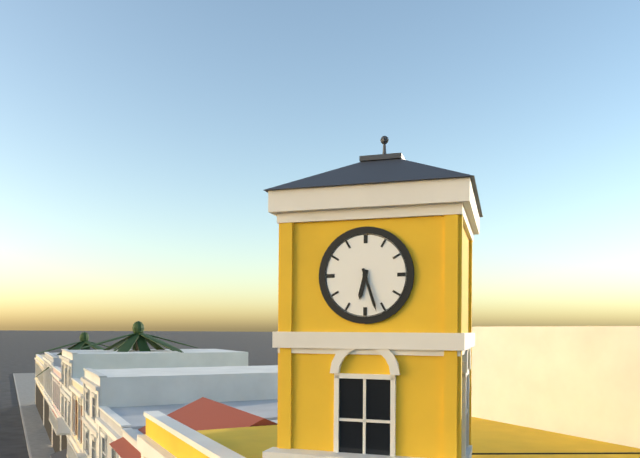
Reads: 6,27
